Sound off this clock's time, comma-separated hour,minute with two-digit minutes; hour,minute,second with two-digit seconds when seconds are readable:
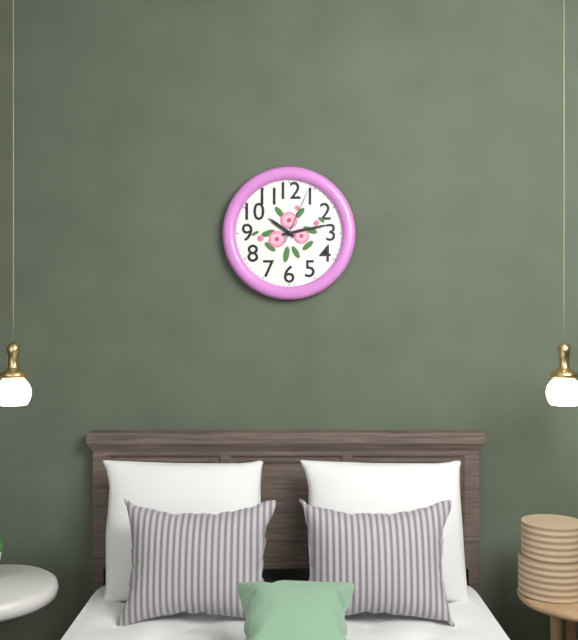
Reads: 10,13,04
